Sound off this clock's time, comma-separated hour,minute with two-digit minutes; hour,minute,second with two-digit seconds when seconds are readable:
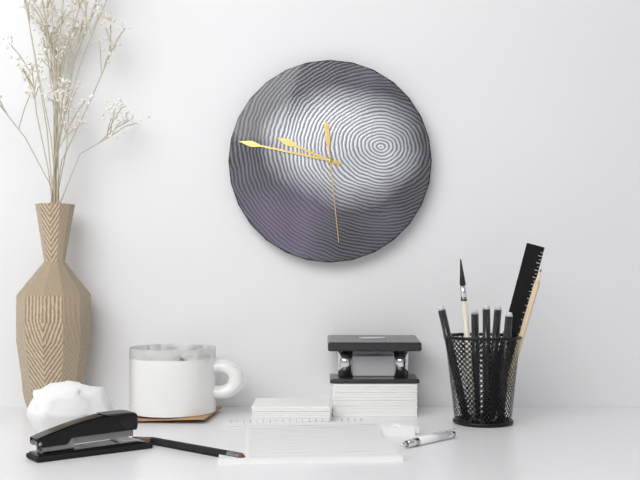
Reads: 9,47,29
